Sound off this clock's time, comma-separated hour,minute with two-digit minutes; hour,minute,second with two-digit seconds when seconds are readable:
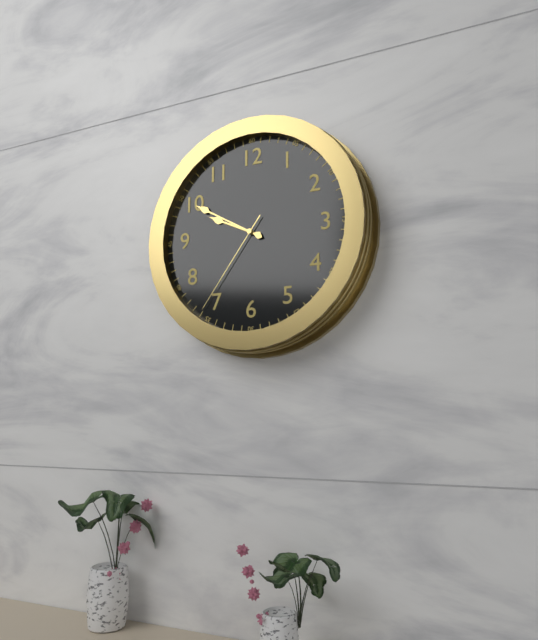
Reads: 9,50,36
